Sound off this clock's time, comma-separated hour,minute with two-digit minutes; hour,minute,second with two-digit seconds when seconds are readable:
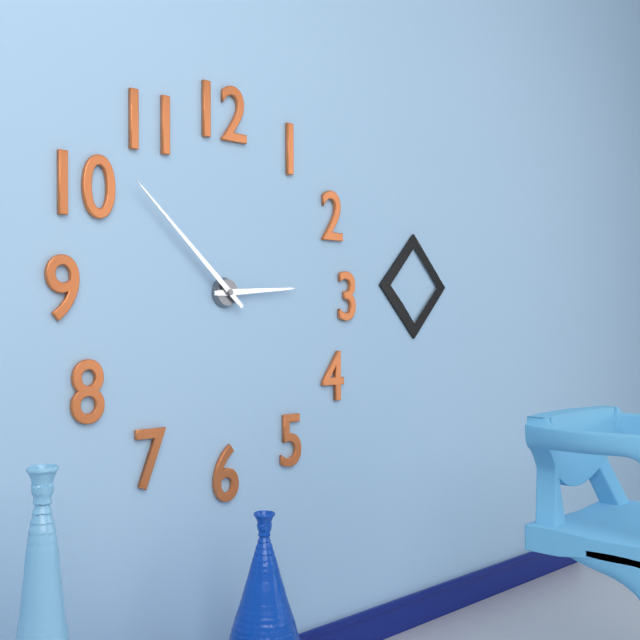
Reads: 2,52
